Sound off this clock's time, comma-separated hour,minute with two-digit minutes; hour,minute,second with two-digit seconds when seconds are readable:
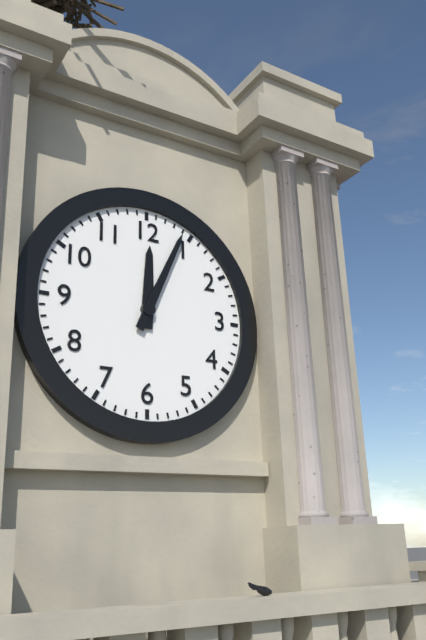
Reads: 12,04
